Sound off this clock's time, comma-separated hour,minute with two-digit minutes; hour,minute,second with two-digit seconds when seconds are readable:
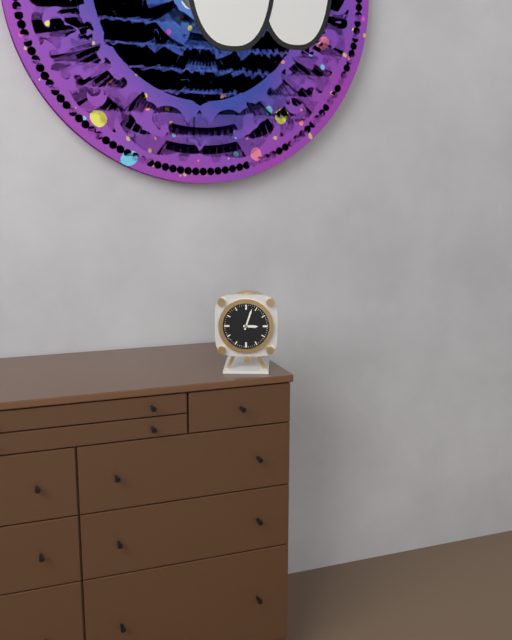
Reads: 3,03
